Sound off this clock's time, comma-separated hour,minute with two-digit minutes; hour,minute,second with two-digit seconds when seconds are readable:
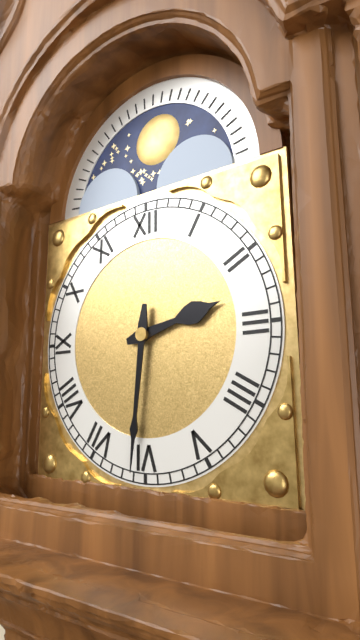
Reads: 2,31
